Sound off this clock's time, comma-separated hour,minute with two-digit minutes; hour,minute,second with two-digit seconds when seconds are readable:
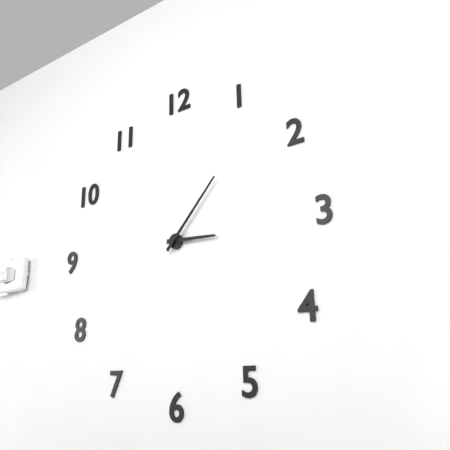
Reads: 3,07
